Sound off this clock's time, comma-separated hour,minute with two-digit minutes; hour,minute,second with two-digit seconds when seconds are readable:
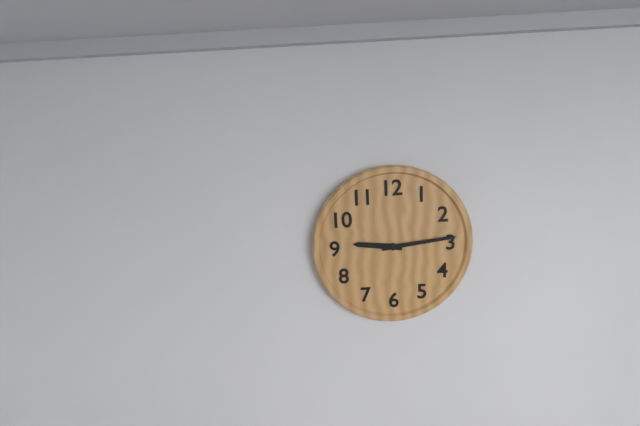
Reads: 9,14
